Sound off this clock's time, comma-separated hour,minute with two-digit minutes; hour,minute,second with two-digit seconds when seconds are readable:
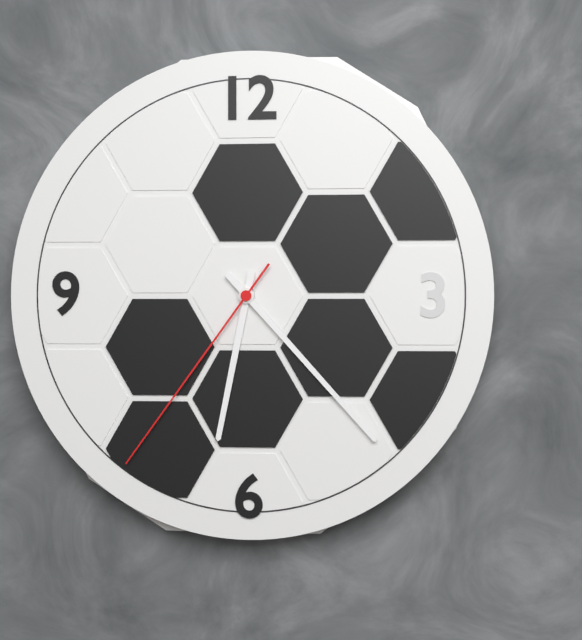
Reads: 6,23,36
